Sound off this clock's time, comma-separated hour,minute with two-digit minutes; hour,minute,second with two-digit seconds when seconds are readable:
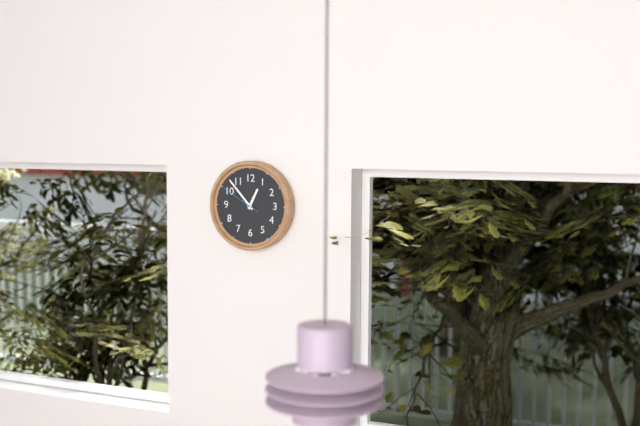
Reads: 12,53
